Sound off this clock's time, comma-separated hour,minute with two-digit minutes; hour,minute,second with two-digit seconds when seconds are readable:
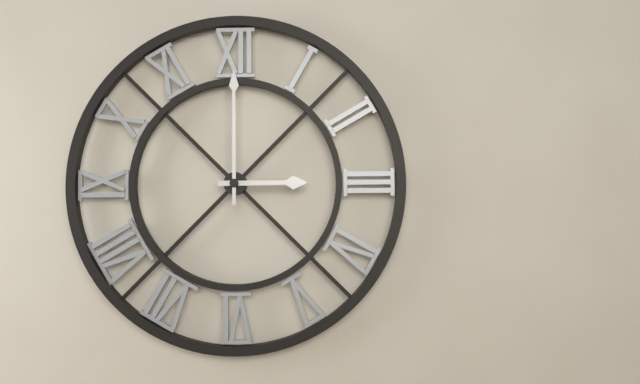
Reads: 3,00
